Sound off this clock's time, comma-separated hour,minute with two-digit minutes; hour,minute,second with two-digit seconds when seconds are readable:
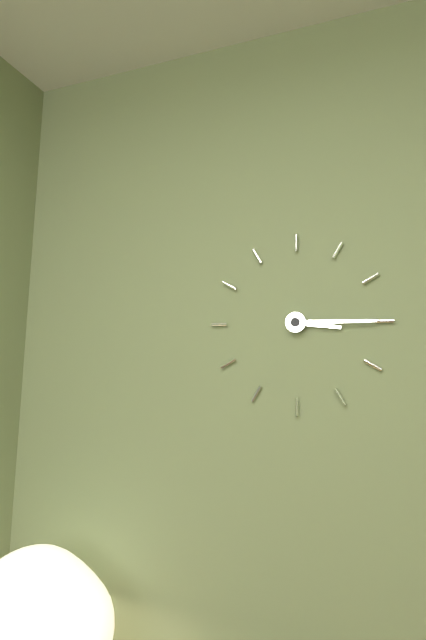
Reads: 3,15
